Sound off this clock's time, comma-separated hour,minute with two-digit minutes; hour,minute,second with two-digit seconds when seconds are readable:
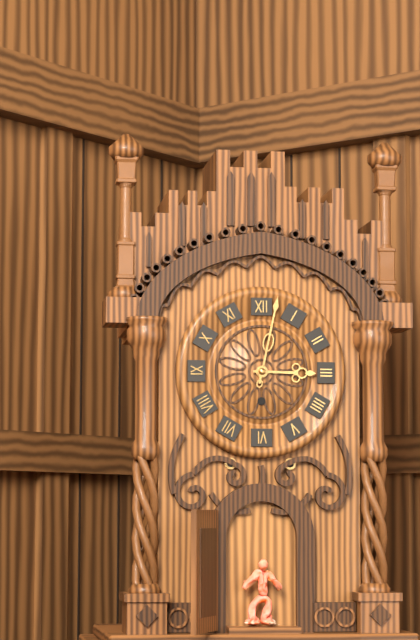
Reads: 3,02
